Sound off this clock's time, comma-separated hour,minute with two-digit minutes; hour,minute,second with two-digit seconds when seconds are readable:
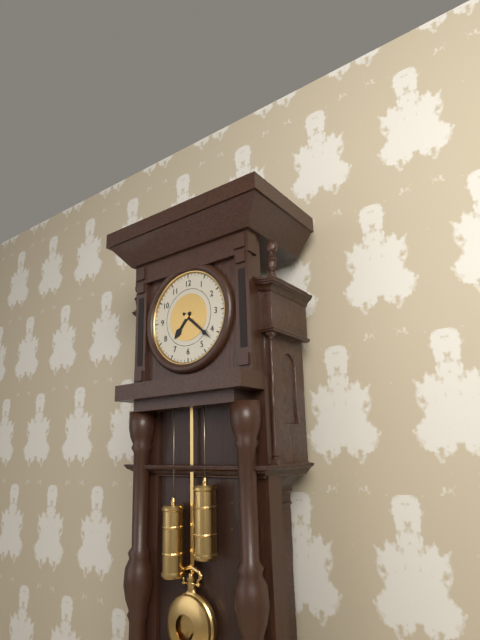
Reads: 7,22
